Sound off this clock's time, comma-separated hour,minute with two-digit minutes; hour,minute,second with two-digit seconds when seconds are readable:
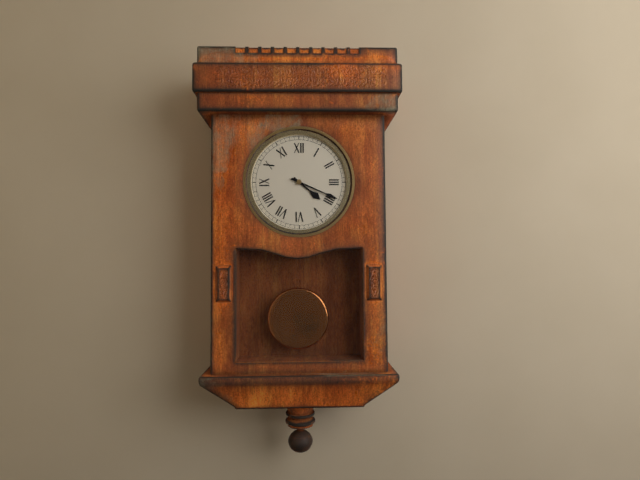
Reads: 4,19
